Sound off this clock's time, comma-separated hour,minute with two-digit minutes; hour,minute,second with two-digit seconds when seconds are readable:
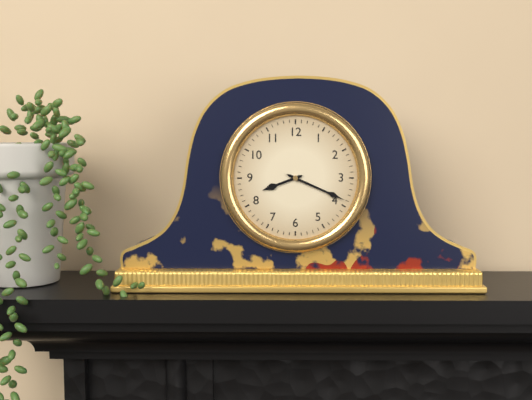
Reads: 8,19
